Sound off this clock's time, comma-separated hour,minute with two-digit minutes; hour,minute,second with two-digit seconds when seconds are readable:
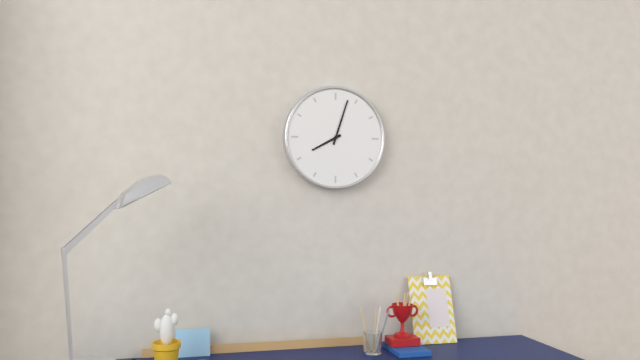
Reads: 8,03
